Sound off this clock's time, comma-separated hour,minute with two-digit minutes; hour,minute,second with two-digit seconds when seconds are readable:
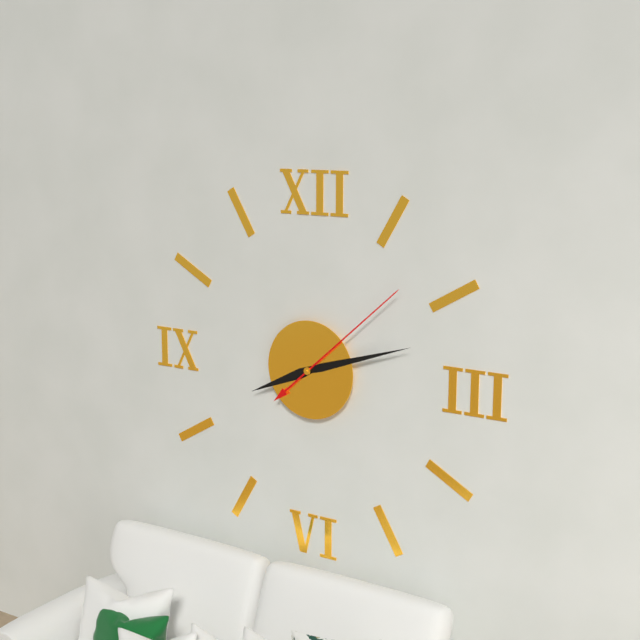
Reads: 8,12,08
